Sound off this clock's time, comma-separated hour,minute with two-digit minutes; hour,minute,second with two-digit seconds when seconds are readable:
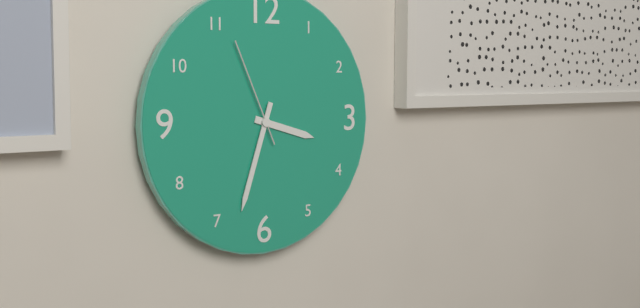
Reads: 3,33,56
